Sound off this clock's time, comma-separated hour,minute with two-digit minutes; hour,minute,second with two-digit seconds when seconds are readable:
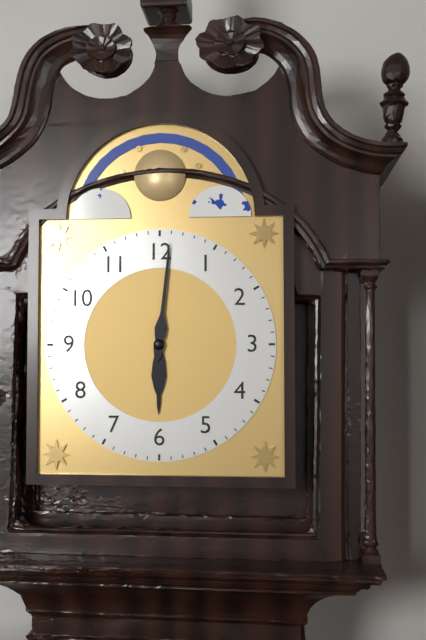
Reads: 6,01
